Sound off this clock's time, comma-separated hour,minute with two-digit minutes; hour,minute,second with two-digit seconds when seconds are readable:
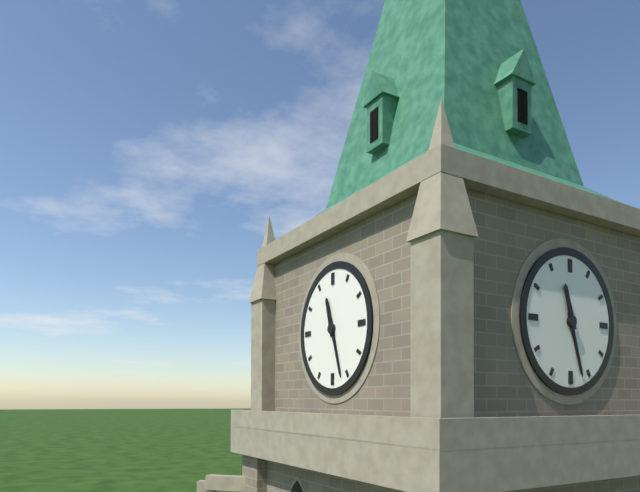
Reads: 11,27
